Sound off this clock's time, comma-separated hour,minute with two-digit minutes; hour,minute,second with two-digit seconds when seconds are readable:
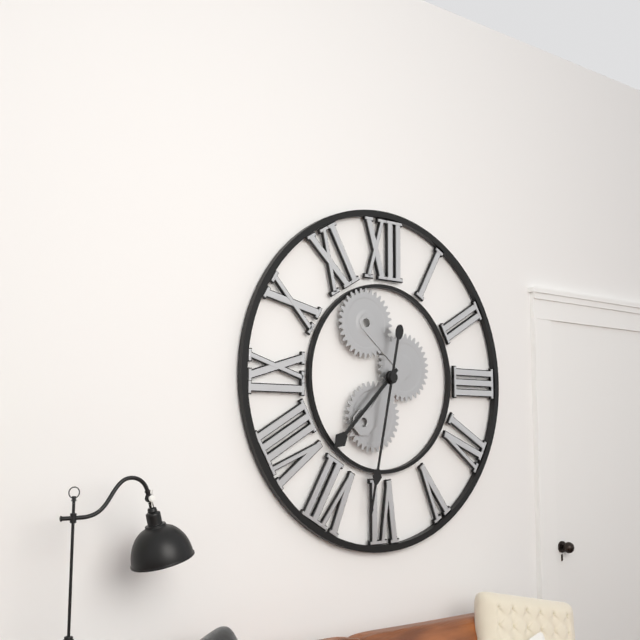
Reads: 7,32
